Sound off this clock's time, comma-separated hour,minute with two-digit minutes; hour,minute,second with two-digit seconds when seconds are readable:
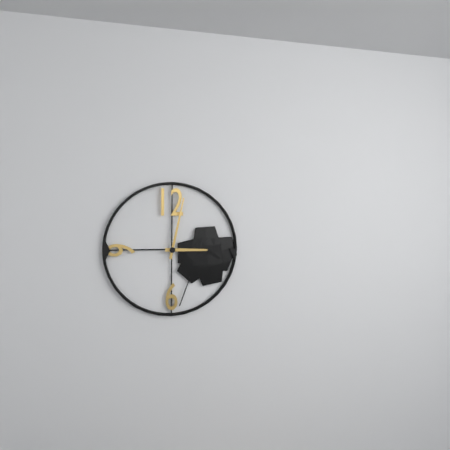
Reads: 3,02
